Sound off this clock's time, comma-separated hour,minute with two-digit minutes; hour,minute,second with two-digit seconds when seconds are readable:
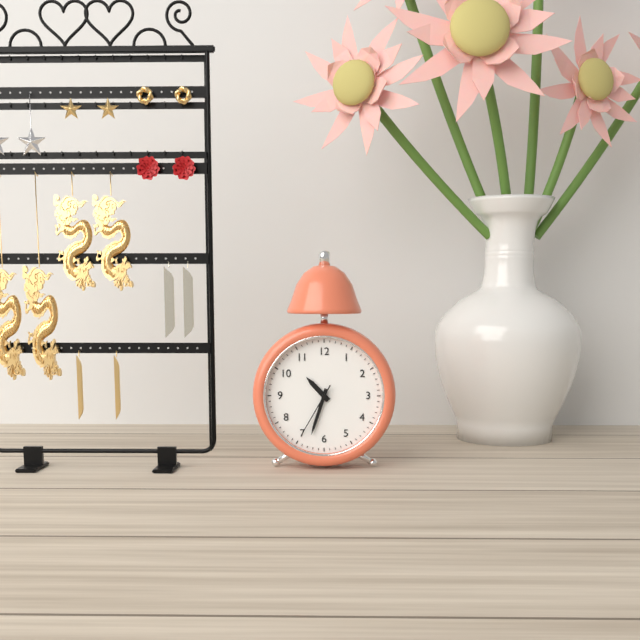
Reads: 10,33,35
